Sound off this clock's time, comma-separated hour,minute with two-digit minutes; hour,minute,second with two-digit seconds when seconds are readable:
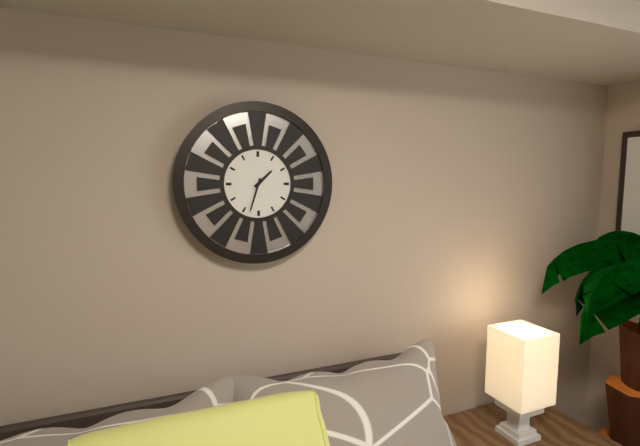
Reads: 1,33
